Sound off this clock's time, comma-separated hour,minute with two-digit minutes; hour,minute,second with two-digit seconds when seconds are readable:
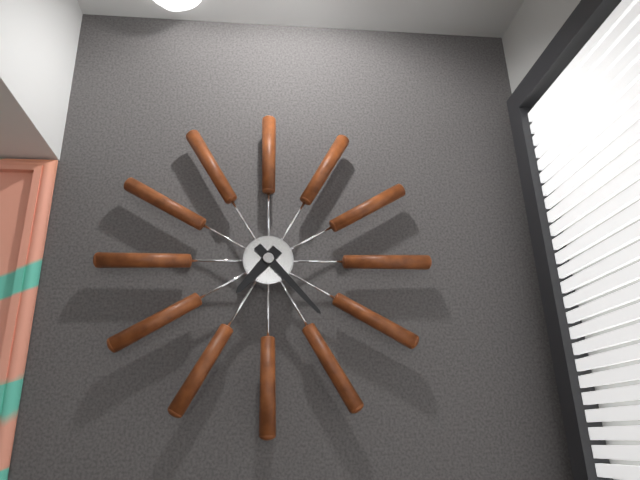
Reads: 7,23
